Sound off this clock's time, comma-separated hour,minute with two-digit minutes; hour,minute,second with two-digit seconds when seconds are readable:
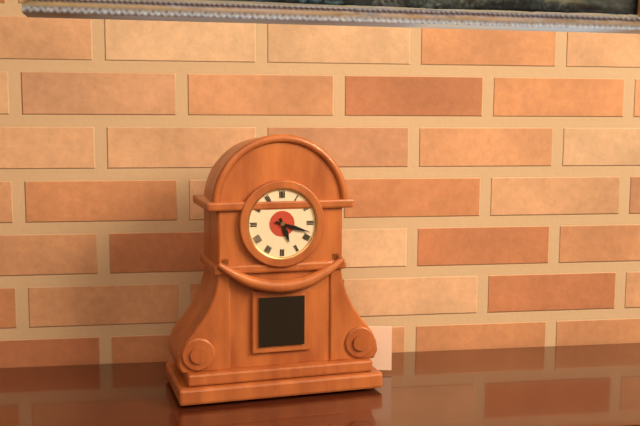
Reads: 5,18
